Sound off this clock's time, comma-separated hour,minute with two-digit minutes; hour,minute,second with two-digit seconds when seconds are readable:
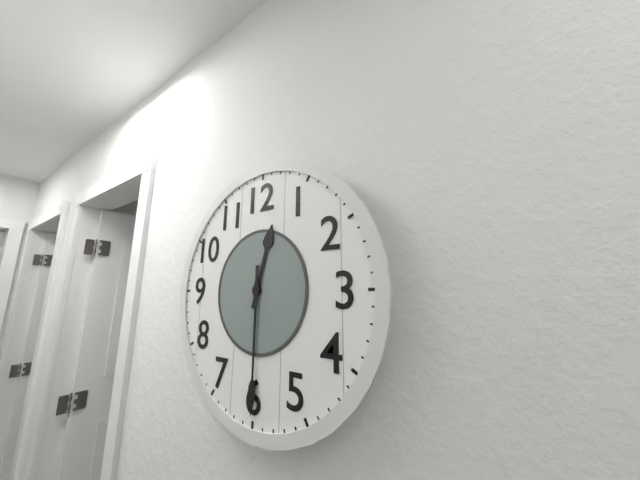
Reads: 12,30
